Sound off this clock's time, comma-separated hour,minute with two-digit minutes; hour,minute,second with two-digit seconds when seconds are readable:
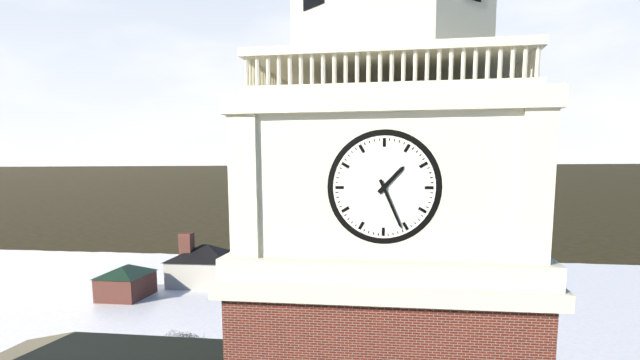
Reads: 1,26
